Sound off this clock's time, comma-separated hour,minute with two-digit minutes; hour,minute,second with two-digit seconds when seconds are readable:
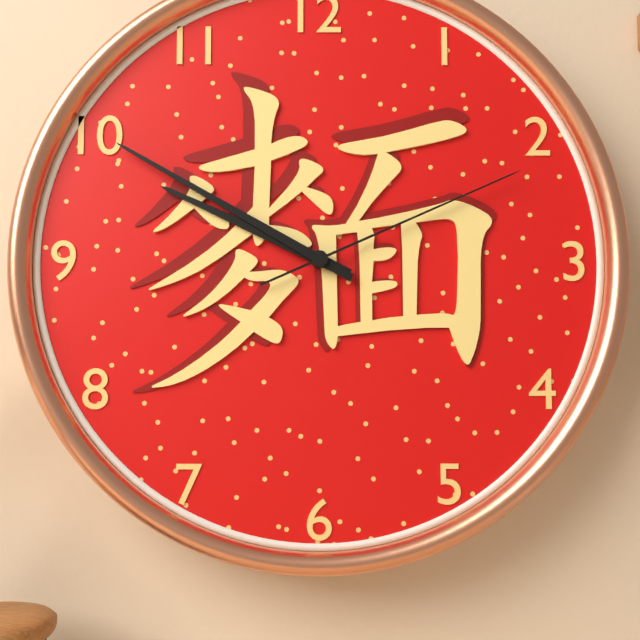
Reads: 9,50,11
